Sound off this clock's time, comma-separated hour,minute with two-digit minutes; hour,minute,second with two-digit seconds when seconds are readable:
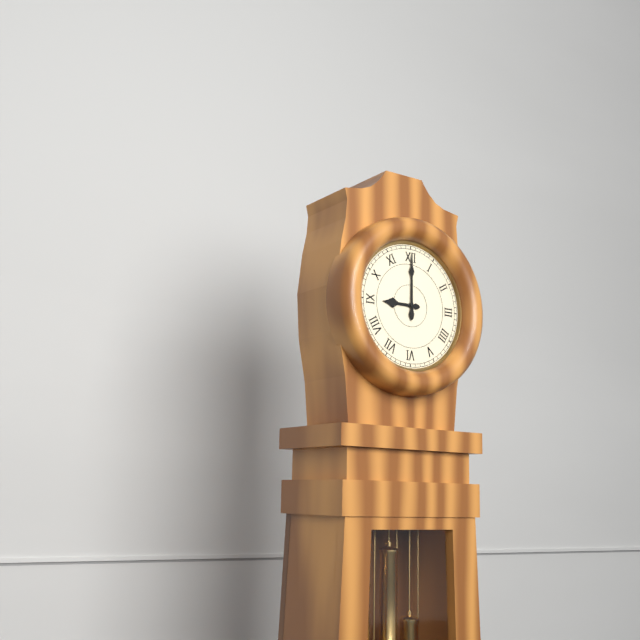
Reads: 9,00
